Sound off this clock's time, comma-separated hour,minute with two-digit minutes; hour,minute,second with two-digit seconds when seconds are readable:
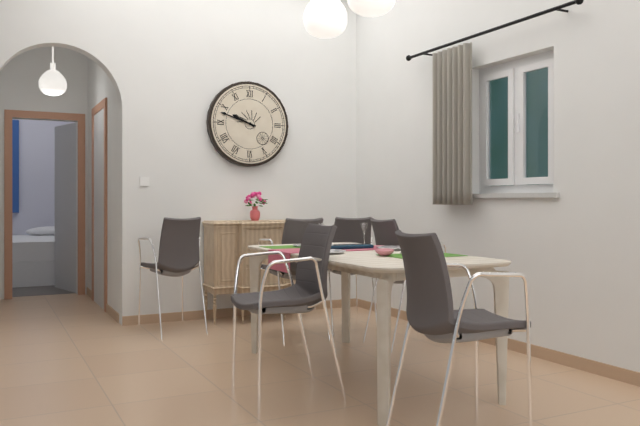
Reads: 9,48
